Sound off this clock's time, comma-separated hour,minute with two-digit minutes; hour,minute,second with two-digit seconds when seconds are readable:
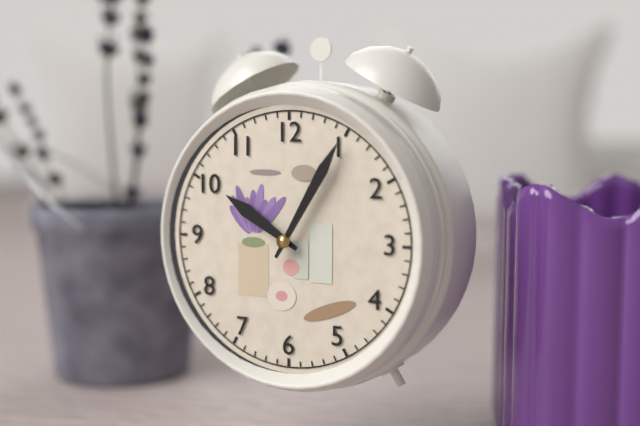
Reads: 10,05
